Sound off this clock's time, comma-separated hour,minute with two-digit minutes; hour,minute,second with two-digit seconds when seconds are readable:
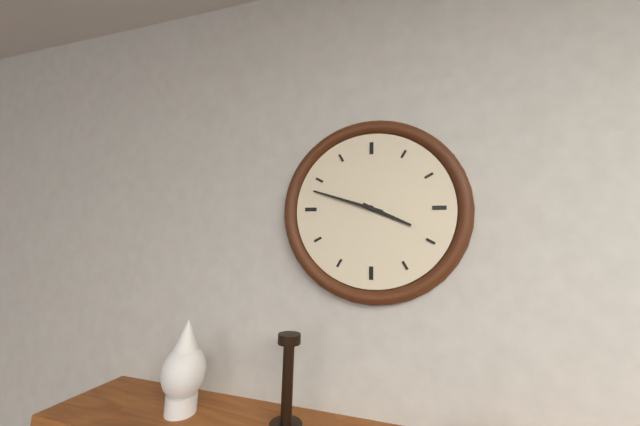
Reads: 3,48
